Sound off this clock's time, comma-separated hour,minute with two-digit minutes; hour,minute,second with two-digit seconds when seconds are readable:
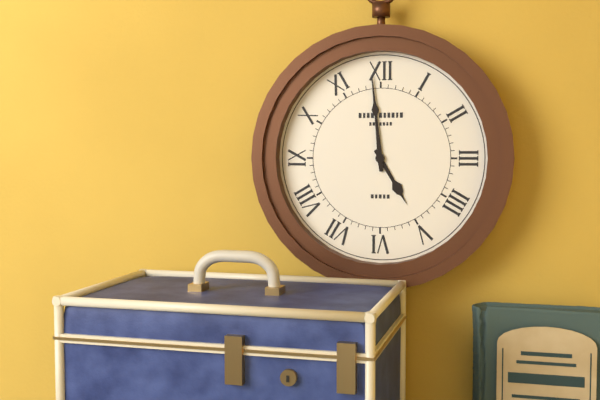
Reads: 4,59
